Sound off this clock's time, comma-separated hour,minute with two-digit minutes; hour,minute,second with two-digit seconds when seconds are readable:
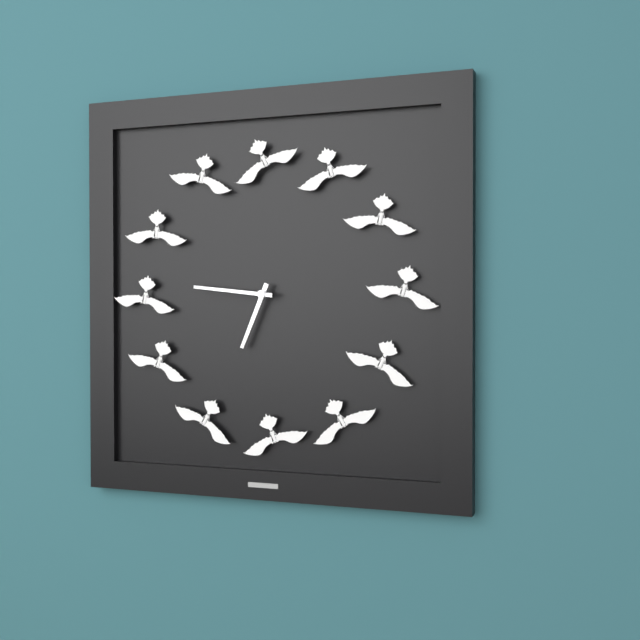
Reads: 6,46
